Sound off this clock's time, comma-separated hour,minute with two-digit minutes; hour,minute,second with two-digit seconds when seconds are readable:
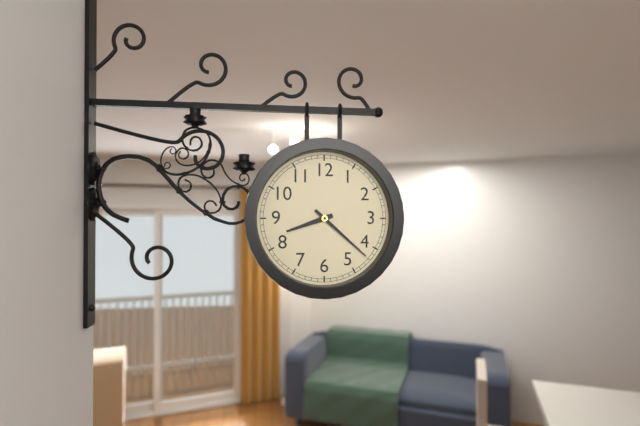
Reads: 8,22
